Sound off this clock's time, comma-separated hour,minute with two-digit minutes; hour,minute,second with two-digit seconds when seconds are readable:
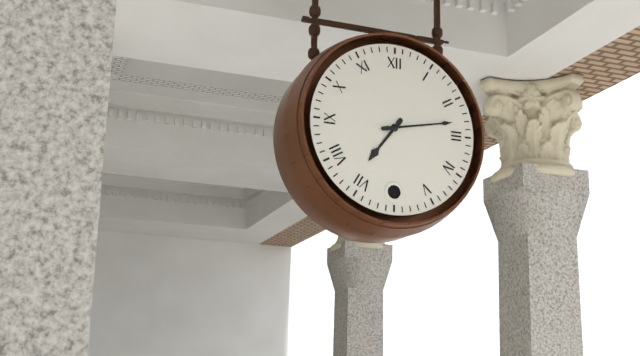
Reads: 7,13
